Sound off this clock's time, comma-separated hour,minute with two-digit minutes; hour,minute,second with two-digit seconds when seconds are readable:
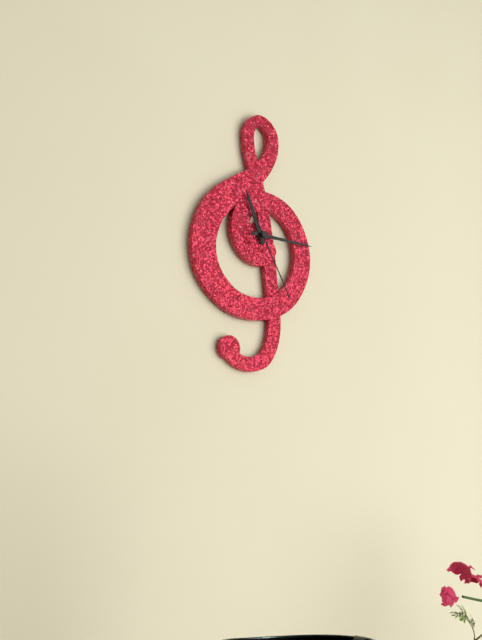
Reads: 11,15,25
